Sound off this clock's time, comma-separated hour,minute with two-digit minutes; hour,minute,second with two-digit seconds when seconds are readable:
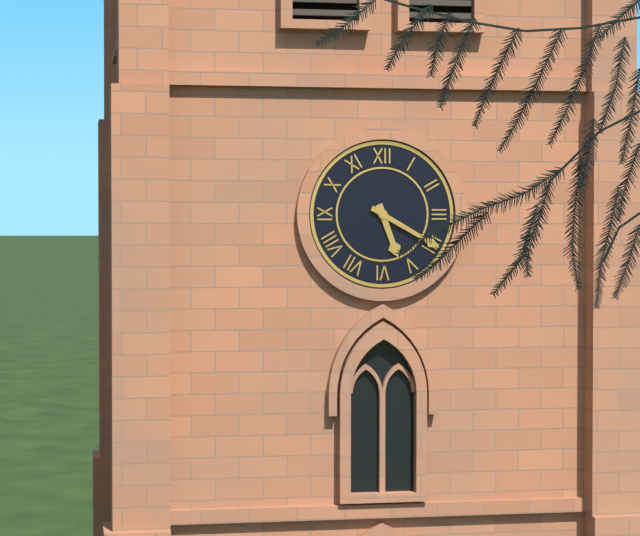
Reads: 5,20
